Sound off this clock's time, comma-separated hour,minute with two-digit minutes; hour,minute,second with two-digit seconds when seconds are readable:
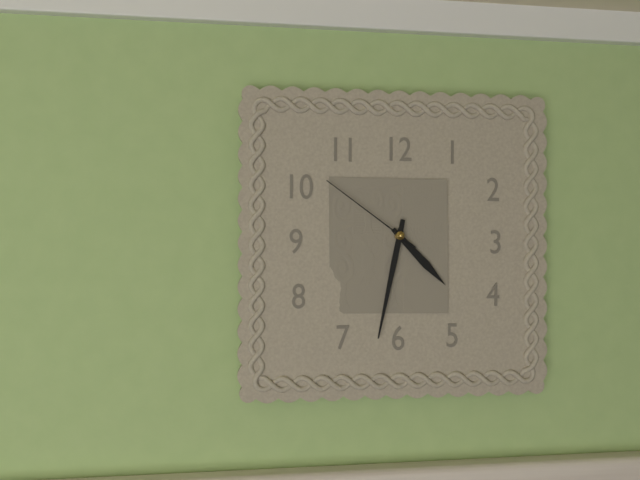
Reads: 4,32,51
